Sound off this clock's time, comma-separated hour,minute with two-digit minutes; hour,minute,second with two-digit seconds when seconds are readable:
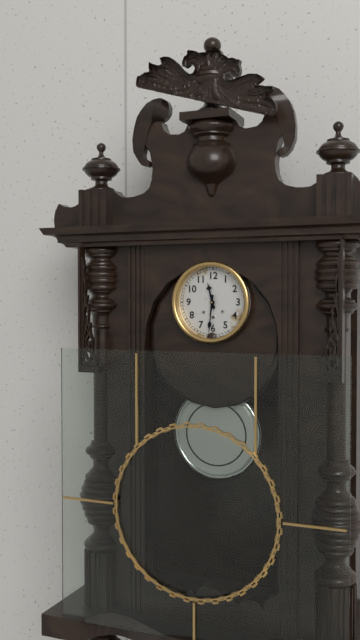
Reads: 11,31
